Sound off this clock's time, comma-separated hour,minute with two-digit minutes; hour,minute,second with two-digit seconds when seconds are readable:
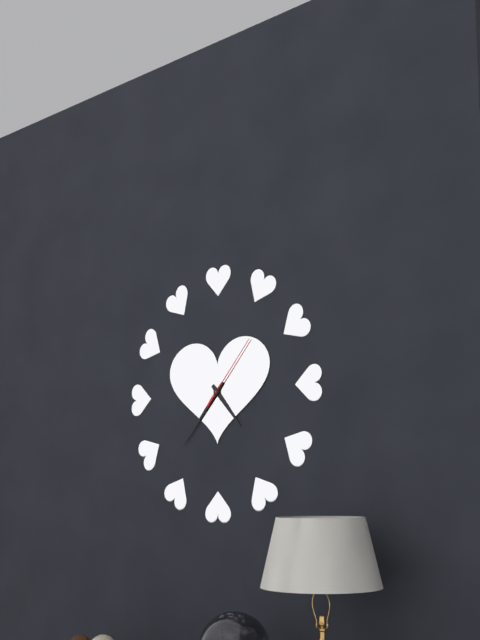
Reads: 4,37,07
